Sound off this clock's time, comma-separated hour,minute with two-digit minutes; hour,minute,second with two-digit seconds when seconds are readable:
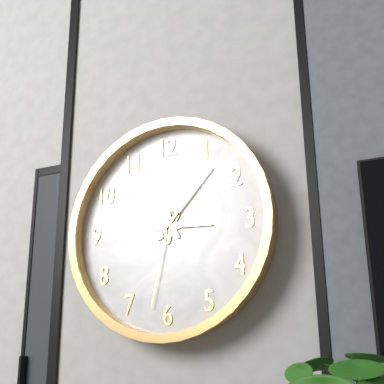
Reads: 3,07,32
